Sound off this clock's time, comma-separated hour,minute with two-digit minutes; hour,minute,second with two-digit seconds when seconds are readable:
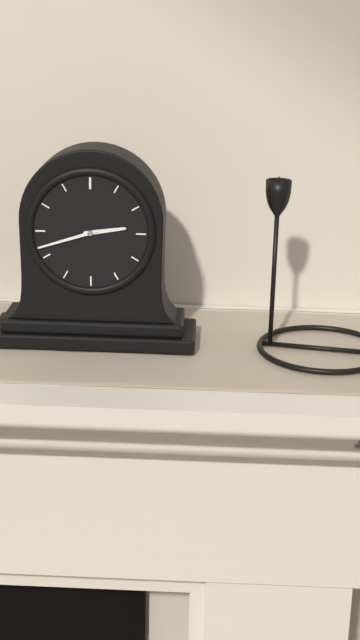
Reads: 2,42
